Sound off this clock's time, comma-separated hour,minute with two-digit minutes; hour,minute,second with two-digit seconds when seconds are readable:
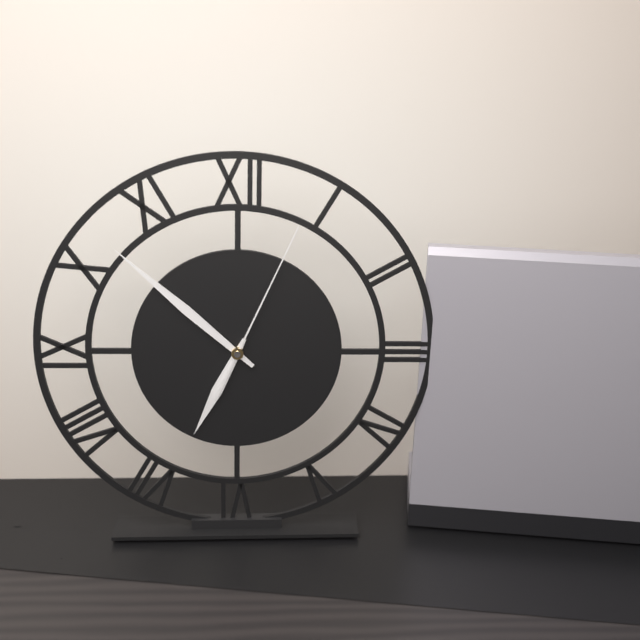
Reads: 6,52,04
